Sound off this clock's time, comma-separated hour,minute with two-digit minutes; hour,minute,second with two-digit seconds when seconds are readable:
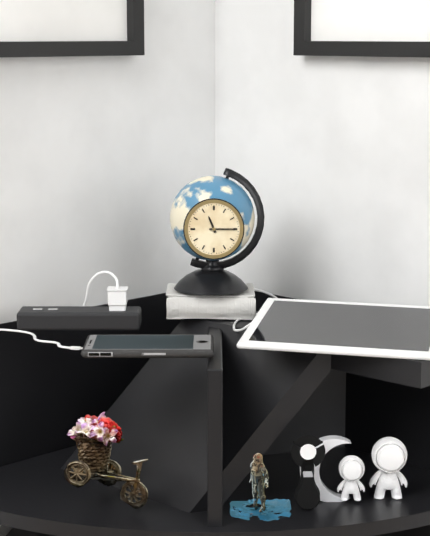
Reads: 11,15
